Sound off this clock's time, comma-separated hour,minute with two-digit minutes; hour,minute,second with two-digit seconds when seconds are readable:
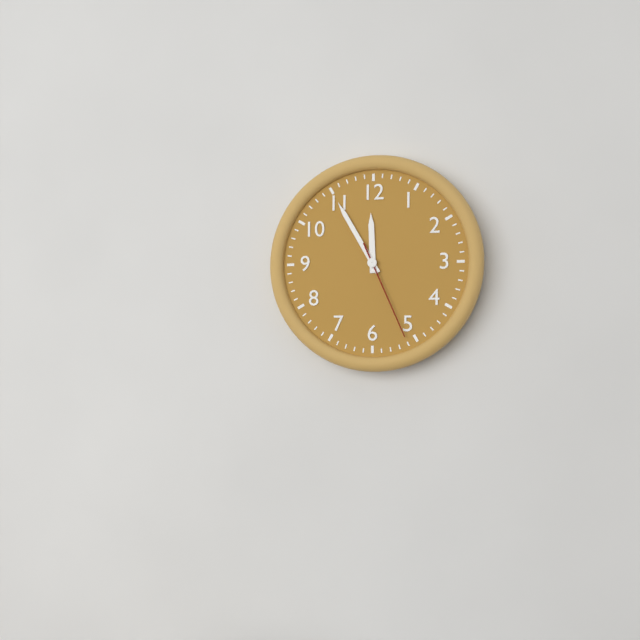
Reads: 11,55,26
